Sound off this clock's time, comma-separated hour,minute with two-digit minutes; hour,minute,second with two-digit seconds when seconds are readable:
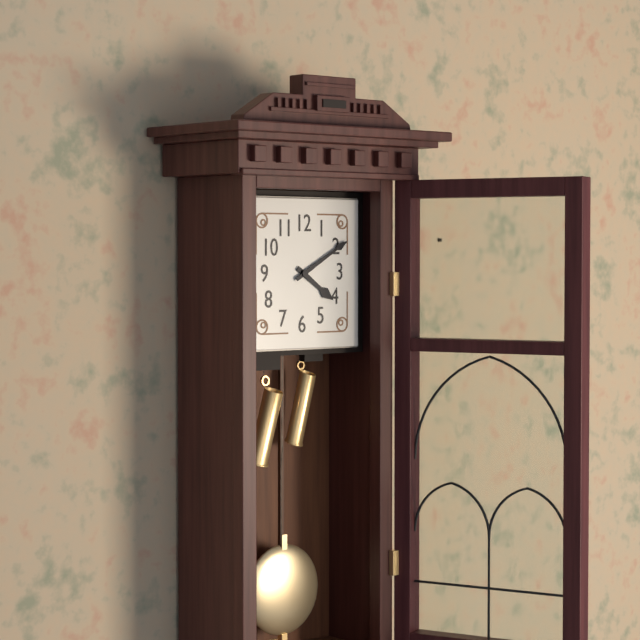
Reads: 4,10
